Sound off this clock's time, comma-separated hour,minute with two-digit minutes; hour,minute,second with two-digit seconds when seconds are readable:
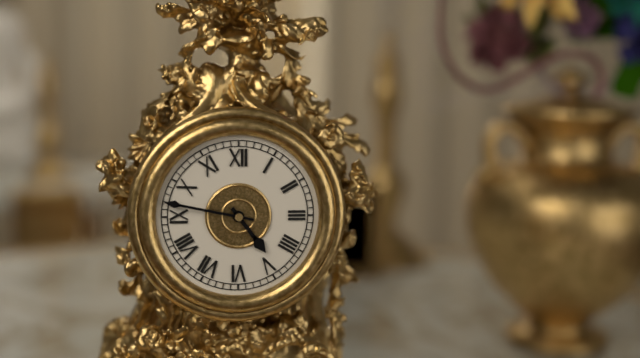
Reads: 4,47
